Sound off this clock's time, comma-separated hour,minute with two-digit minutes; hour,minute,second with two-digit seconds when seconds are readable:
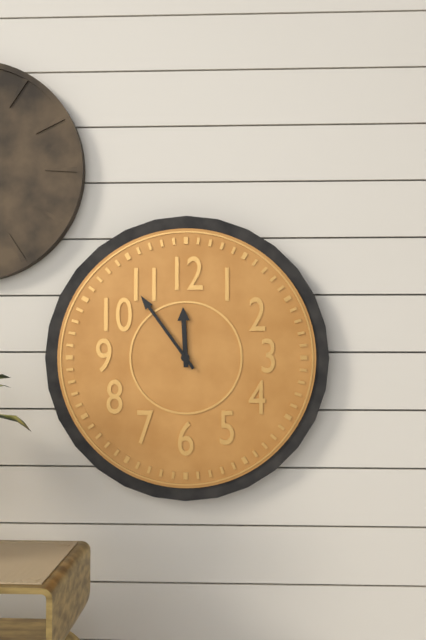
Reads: 11,54
